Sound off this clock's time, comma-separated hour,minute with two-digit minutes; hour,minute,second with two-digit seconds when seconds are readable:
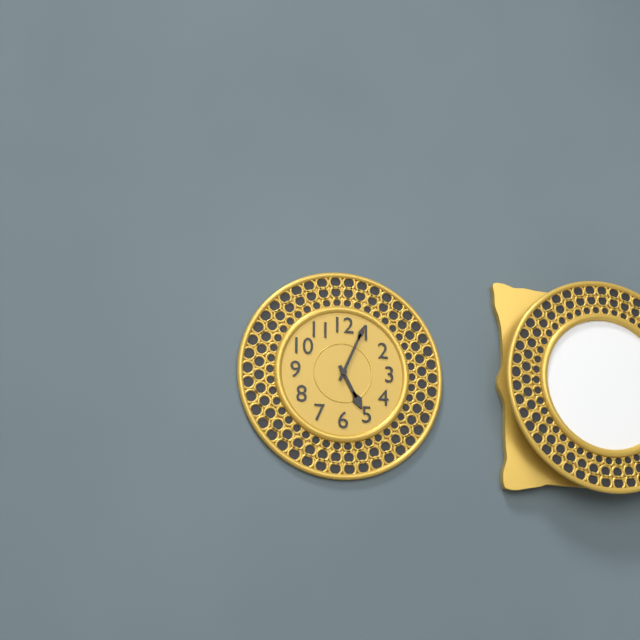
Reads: 5,04
